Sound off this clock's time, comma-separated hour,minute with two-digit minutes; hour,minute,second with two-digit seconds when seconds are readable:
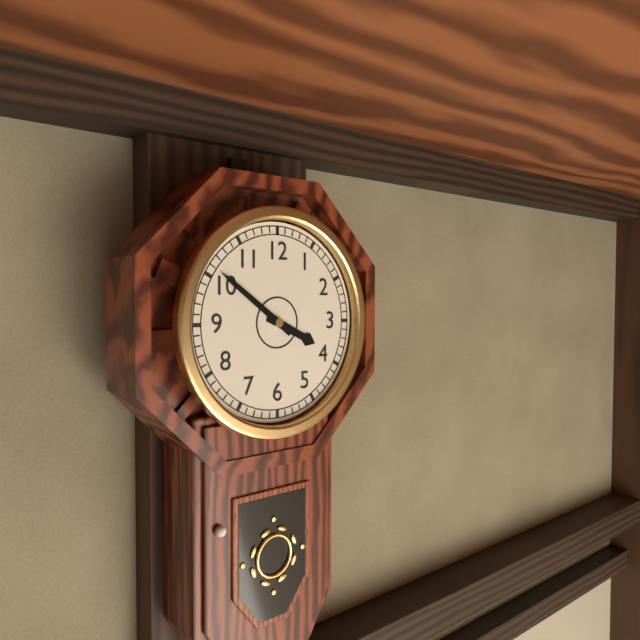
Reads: 3,51
